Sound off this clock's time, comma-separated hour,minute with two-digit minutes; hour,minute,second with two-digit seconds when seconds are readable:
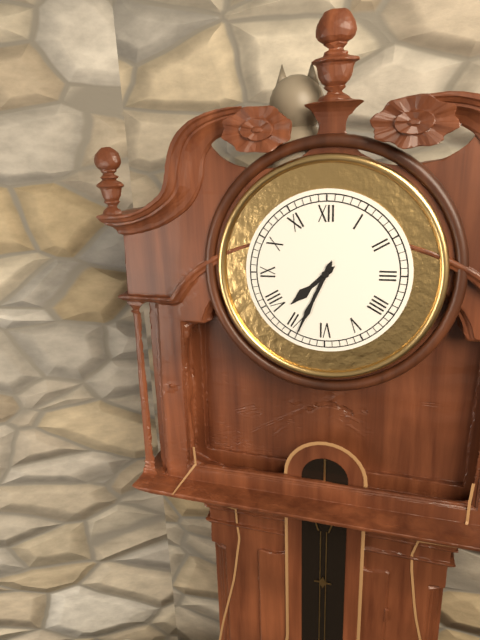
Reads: 7,34
